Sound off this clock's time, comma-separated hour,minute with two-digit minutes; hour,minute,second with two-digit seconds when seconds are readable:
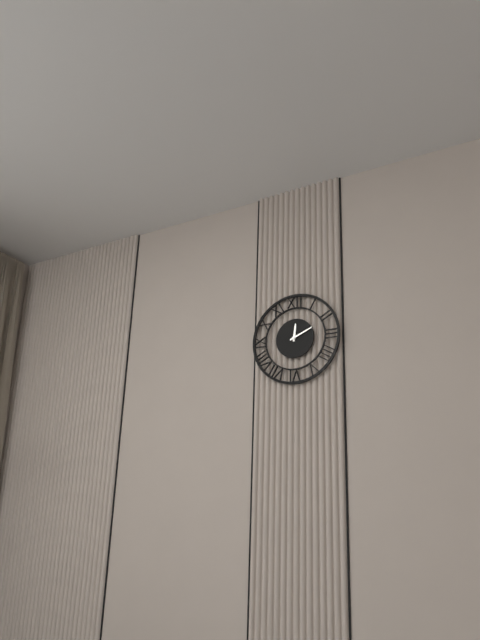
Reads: 12,11
